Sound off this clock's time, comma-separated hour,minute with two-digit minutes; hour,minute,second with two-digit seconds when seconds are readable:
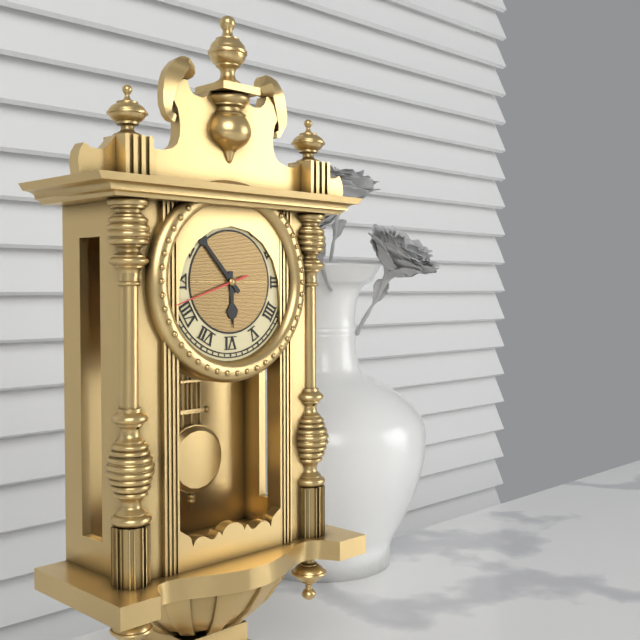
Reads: 5,53,42
